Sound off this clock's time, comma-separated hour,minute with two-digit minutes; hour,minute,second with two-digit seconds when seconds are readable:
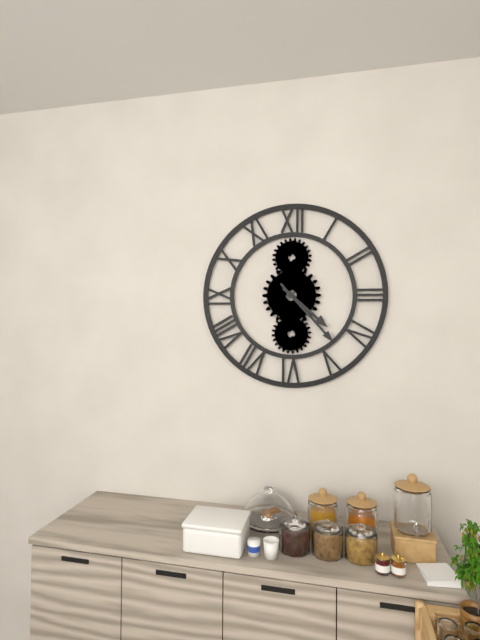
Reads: 4,23
